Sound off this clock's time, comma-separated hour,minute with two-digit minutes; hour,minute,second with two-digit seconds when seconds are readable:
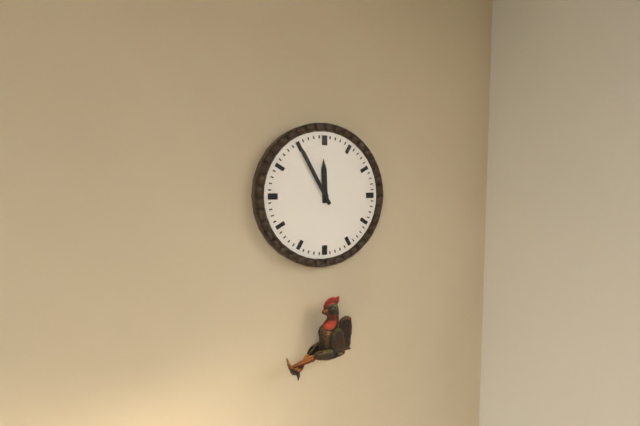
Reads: 11,55
